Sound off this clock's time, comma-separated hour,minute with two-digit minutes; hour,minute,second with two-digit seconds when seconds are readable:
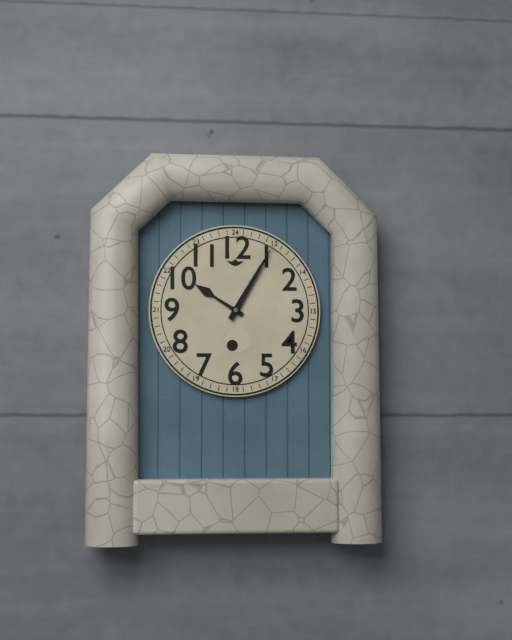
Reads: 10,05
